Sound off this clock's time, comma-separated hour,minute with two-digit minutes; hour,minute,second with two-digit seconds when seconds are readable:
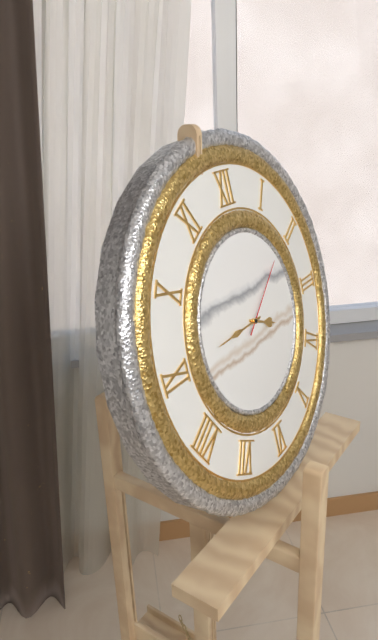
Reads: 3,45,09
